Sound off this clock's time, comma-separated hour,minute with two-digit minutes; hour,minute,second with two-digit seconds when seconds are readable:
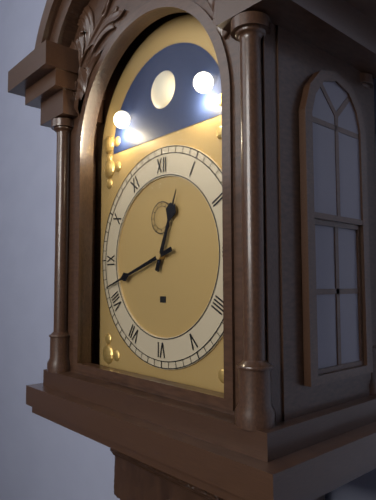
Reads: 12,42
